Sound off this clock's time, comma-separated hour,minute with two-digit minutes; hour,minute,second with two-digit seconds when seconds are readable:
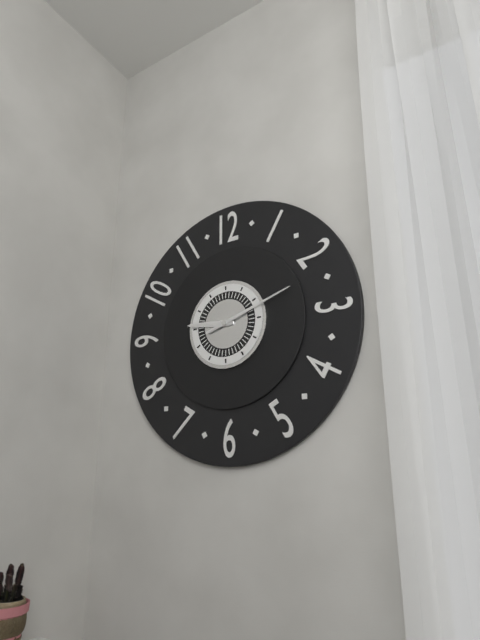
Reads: 9,12
